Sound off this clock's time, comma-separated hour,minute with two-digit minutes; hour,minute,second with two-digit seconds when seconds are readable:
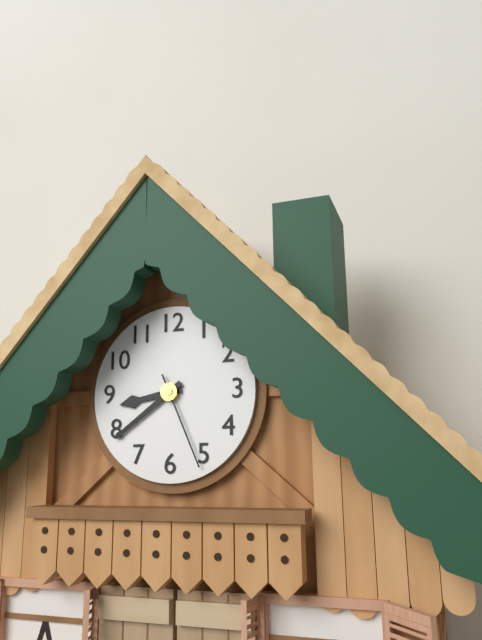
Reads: 8,39,26
